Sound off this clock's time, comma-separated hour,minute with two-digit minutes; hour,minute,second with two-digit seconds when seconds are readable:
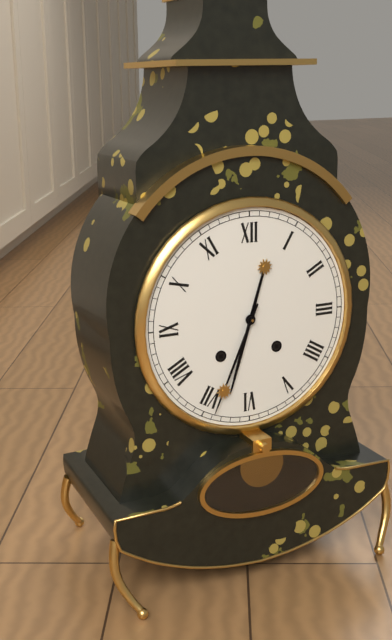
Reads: 6,34
